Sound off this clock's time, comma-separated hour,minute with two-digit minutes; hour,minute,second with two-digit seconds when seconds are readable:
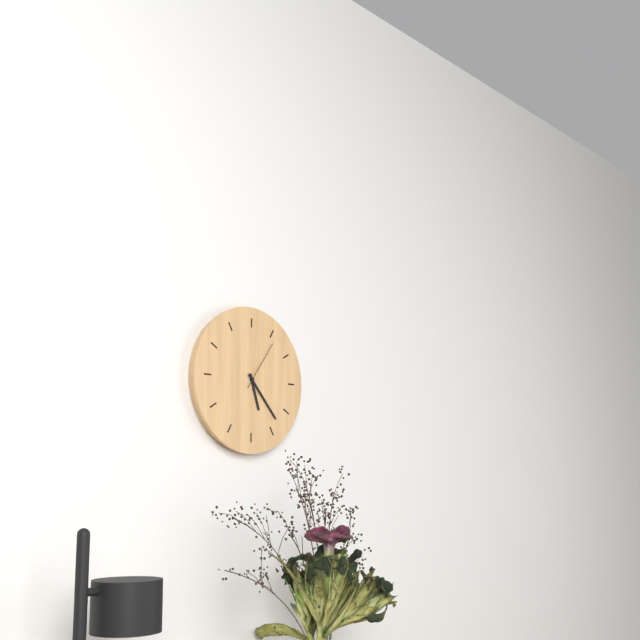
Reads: 5,23,06
